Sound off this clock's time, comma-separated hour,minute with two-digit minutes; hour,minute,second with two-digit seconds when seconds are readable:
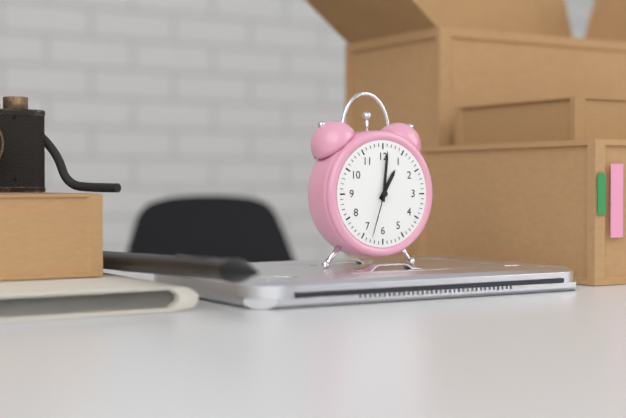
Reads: 1,01,33
